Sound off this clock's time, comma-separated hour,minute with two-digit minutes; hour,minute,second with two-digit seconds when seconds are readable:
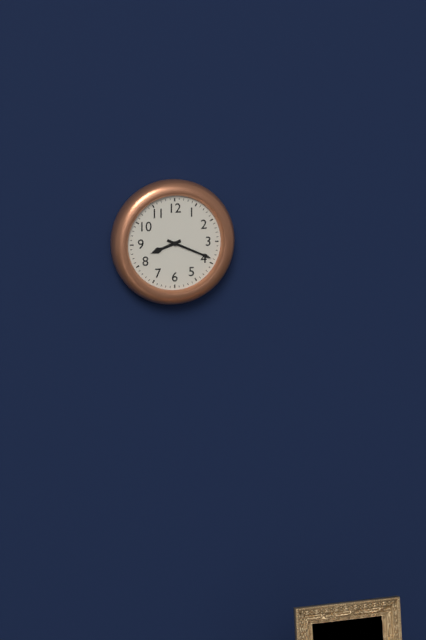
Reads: 8,19
